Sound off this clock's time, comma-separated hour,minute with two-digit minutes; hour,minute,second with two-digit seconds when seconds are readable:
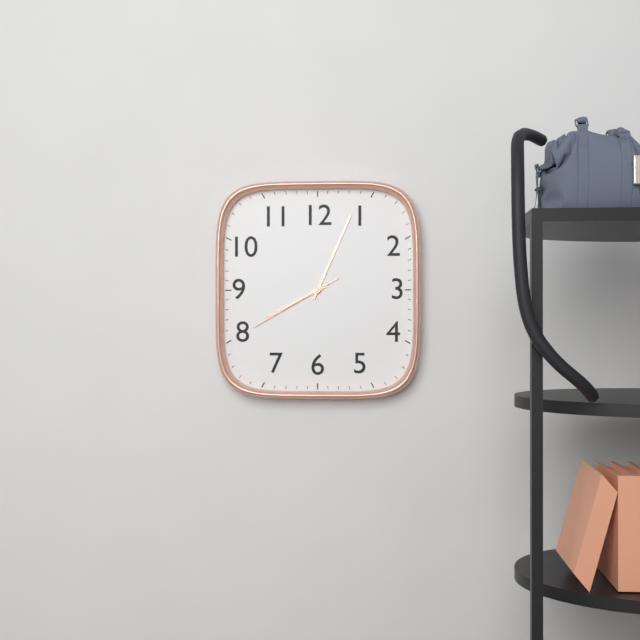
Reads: 8,04,40
